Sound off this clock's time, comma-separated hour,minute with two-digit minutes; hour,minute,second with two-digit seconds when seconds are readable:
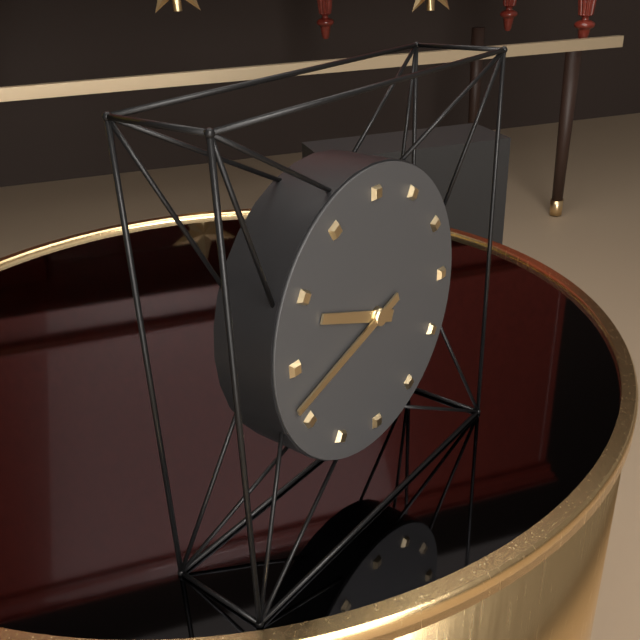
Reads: 9,42
